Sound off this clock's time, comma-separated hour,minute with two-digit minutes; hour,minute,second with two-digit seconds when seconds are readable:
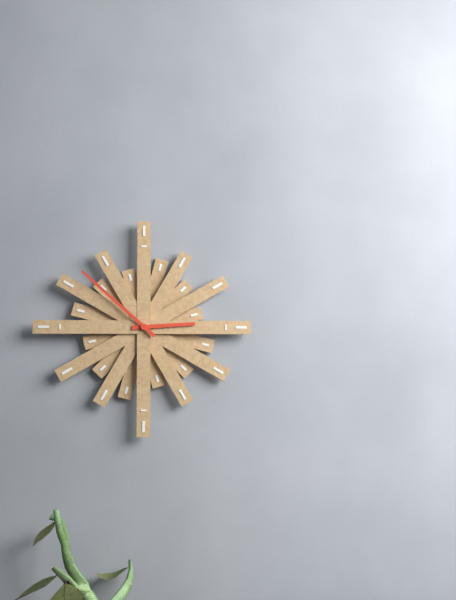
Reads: 2,52
